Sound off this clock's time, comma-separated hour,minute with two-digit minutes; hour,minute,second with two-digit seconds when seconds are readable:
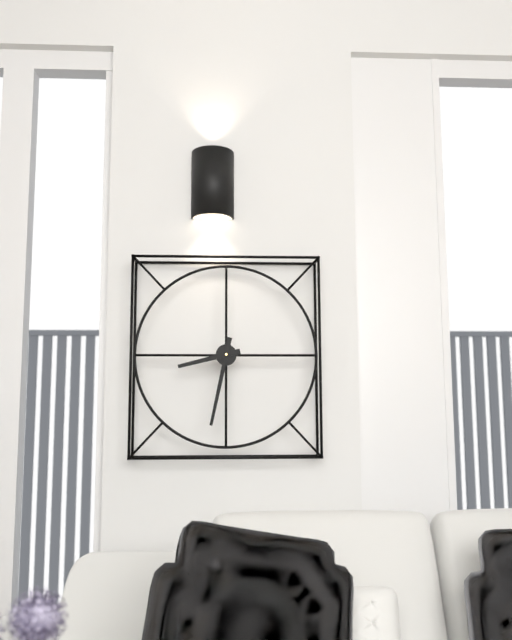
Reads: 8,32
